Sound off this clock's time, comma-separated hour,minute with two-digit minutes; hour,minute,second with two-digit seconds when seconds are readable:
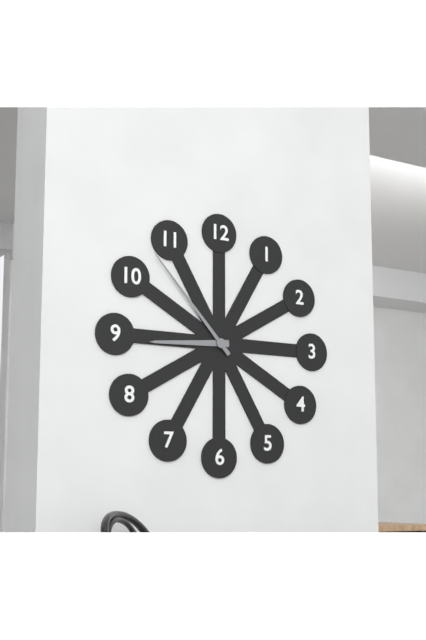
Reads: 8,53
